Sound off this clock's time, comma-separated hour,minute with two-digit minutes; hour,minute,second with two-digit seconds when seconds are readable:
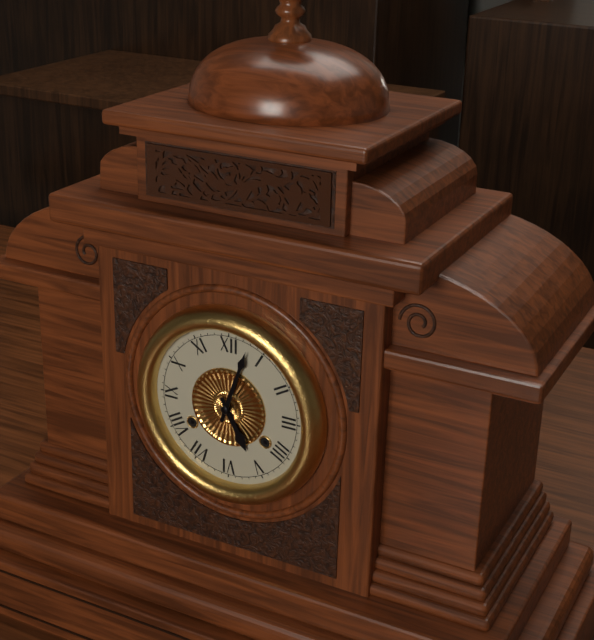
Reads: 5,03
